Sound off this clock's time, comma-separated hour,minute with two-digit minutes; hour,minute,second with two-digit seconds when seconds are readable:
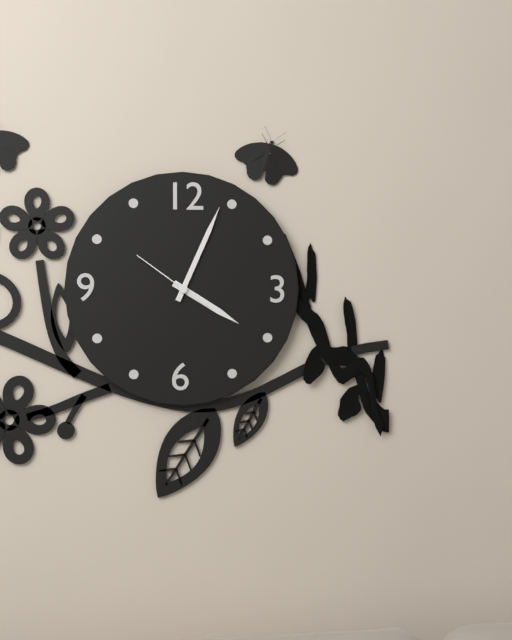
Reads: 4,04,51
